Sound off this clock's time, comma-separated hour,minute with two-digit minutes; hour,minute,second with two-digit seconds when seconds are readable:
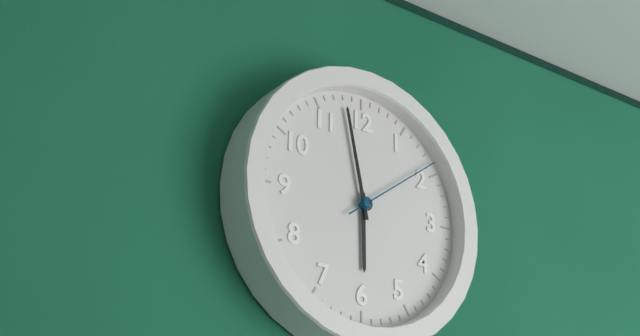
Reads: 5,58,09
